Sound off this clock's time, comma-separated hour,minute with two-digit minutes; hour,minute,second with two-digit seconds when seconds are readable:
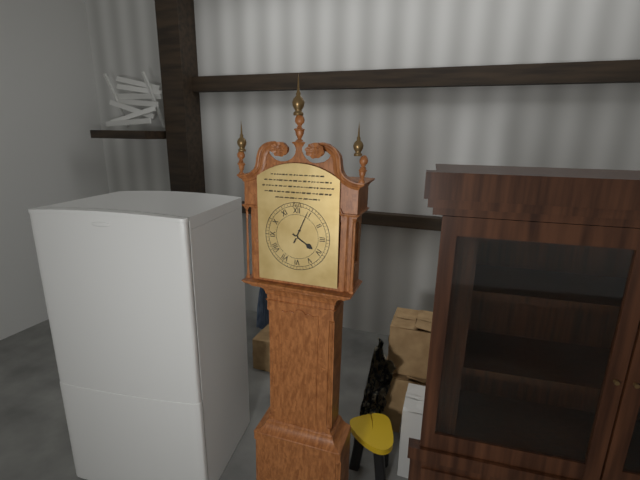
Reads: 4,04
